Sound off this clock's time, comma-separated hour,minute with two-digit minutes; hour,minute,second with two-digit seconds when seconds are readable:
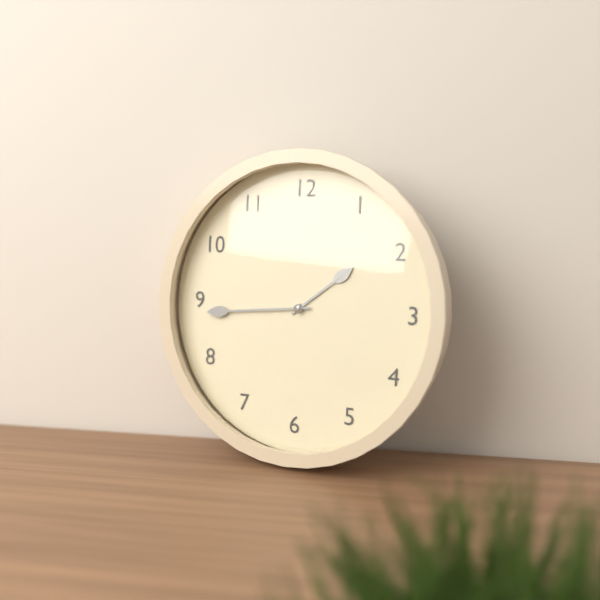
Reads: 1,44
